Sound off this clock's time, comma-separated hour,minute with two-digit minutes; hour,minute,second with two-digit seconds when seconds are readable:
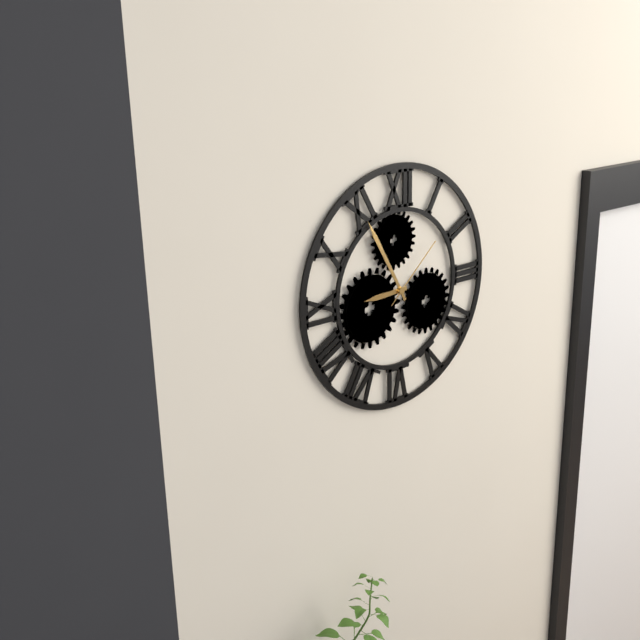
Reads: 8,55,08
